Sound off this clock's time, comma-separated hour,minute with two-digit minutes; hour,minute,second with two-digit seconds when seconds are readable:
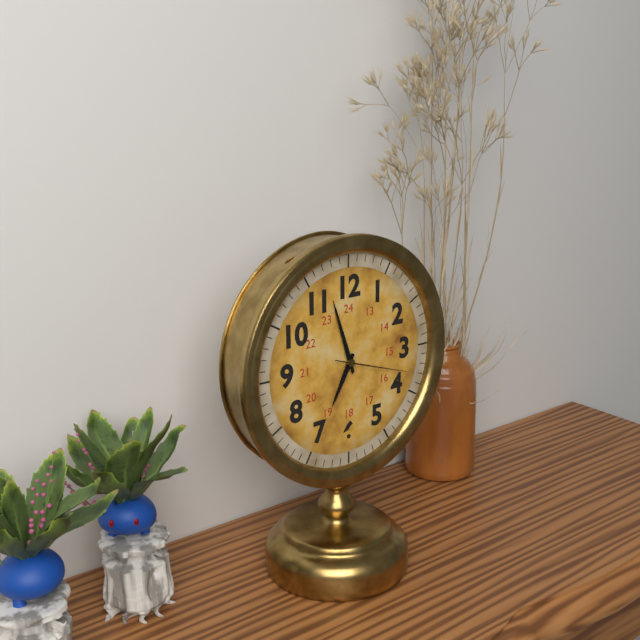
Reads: 6,57,18
